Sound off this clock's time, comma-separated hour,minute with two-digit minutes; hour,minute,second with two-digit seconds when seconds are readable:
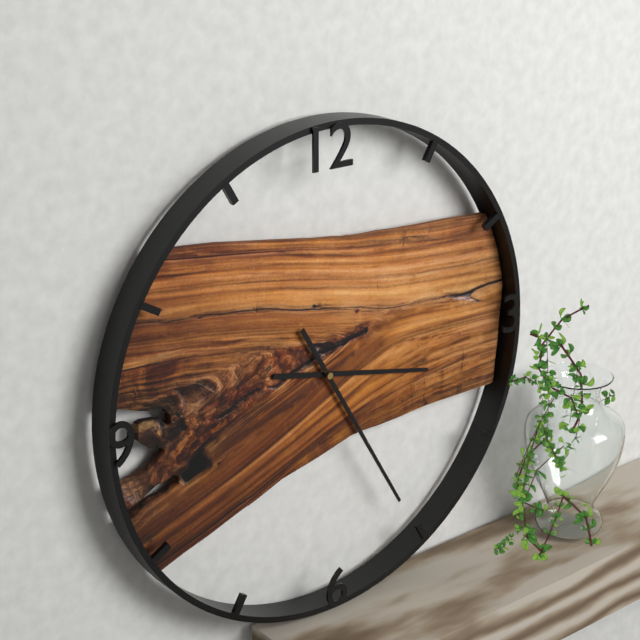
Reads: 3,25
